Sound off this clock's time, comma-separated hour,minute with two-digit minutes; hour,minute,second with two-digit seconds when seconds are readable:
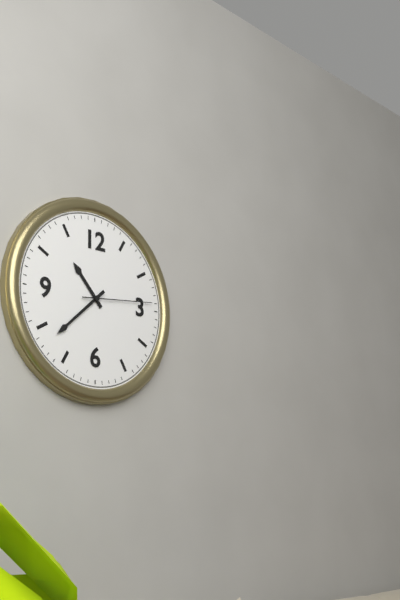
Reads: 10,38,14
